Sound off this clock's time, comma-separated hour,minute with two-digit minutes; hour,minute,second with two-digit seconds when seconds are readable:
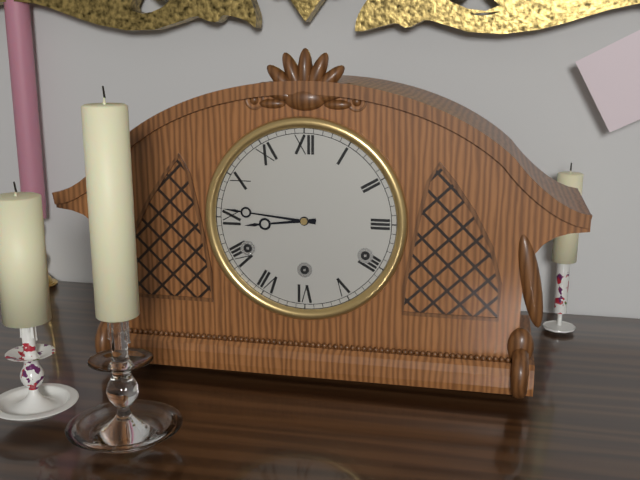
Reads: 8,46
